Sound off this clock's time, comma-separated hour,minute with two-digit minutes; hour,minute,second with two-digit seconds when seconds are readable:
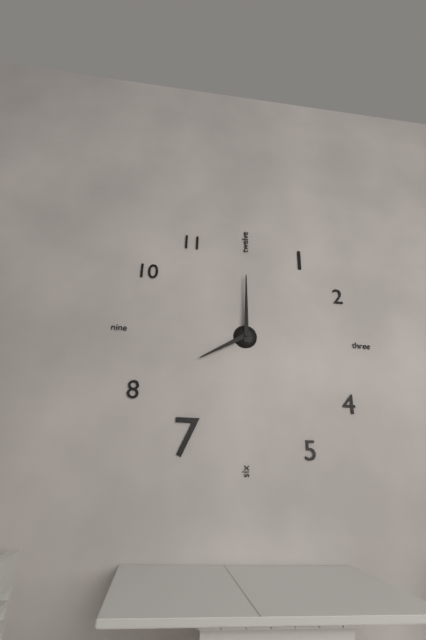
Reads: 8,00
